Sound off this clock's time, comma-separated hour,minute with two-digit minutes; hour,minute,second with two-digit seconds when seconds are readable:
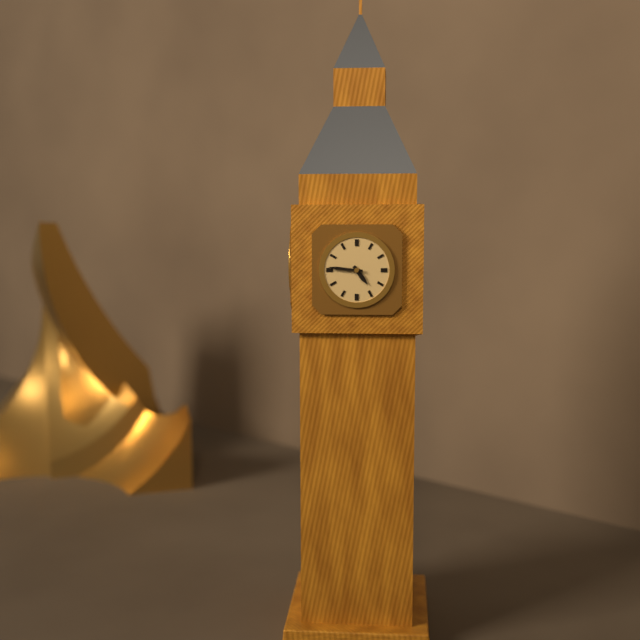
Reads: 4,46
